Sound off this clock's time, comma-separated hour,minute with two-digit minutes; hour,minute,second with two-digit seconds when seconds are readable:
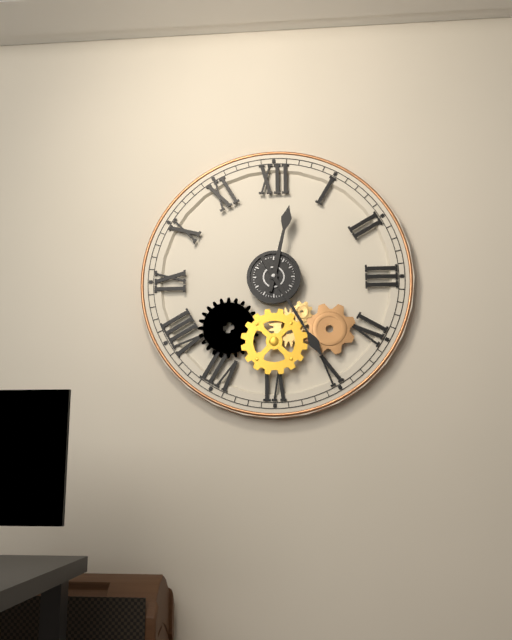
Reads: 12,25
